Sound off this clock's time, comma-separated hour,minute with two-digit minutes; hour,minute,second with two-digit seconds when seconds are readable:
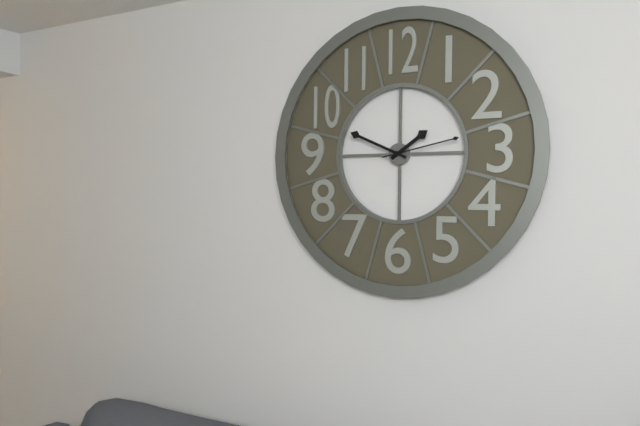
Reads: 1,49,13
